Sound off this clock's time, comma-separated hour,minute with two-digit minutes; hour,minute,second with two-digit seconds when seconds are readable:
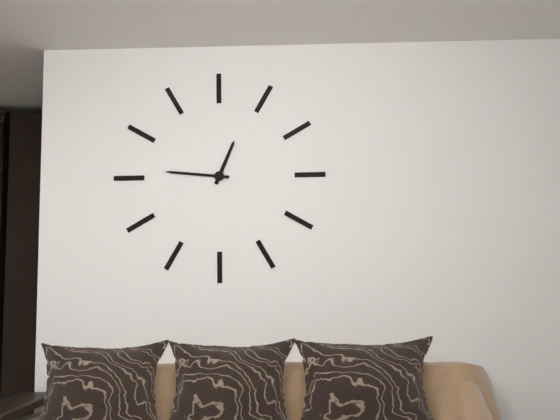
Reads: 12,46
